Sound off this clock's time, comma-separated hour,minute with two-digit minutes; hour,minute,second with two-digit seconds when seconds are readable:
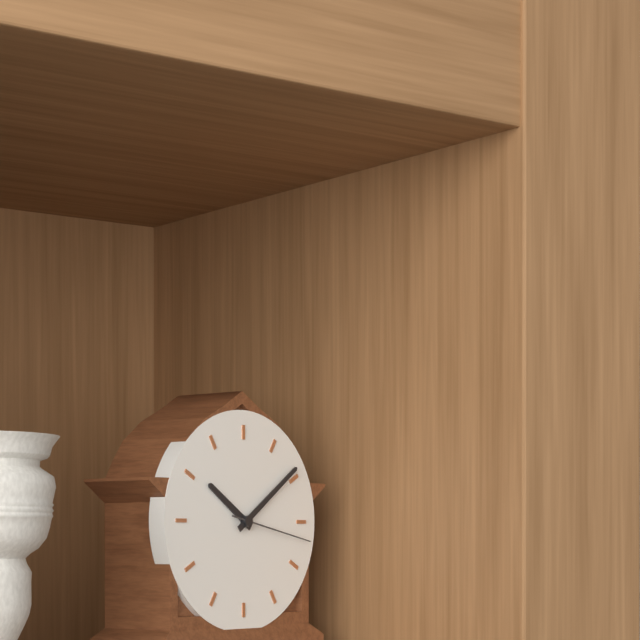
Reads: 10,09,17
